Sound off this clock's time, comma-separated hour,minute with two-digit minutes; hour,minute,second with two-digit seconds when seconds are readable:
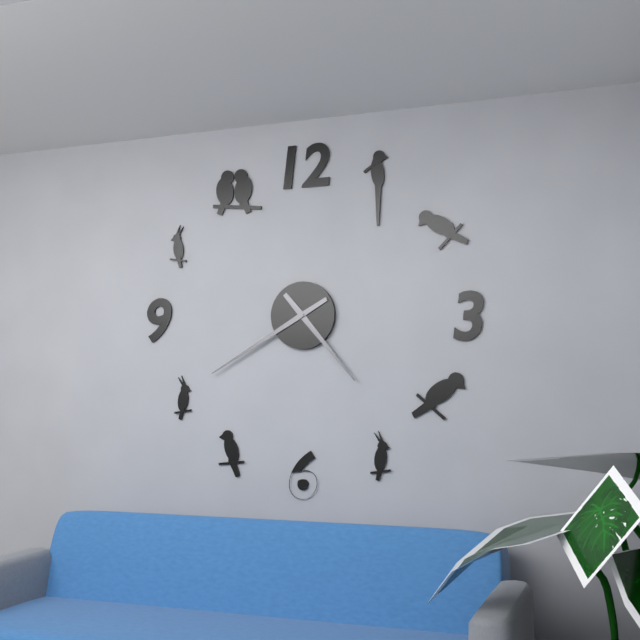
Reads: 4,40
